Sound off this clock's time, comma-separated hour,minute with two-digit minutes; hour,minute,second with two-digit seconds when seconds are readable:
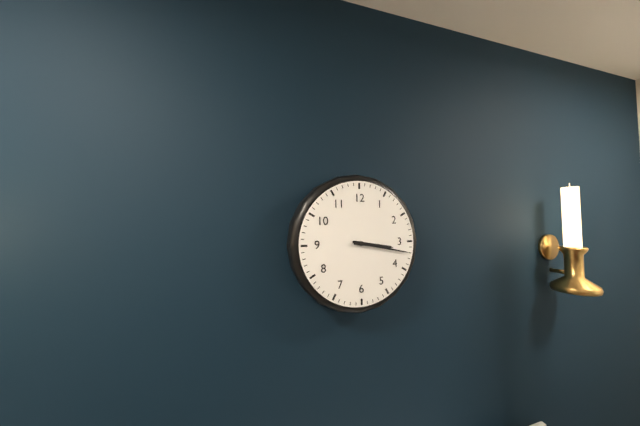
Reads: 3,17
